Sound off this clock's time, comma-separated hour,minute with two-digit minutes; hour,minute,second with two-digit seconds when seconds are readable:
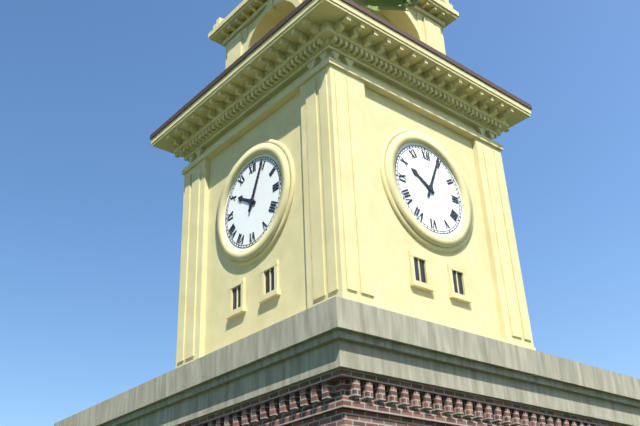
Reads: 10,04
